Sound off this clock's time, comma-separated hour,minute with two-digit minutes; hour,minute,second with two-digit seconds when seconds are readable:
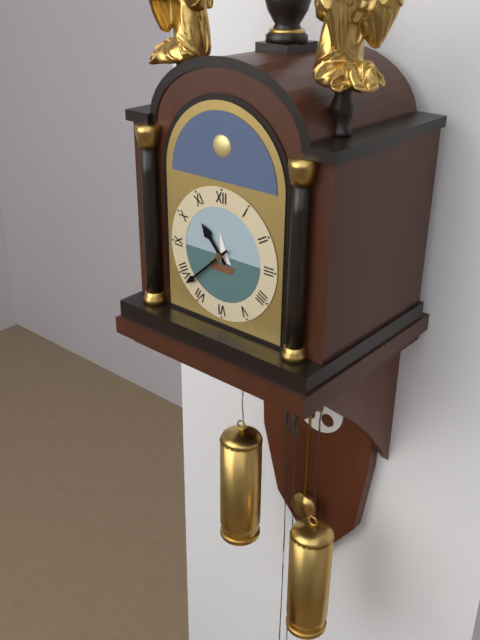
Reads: 10,38
